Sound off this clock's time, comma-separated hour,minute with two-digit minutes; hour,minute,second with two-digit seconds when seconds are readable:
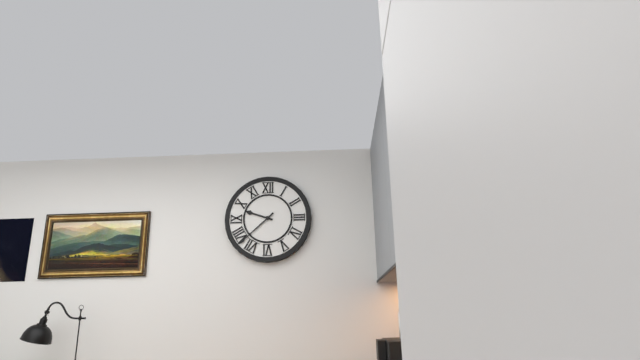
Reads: 9,38
